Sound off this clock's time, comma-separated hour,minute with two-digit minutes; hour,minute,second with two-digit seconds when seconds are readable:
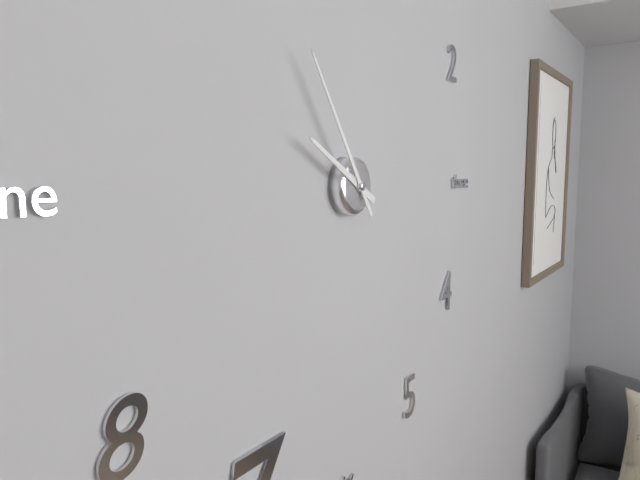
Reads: 9,54
